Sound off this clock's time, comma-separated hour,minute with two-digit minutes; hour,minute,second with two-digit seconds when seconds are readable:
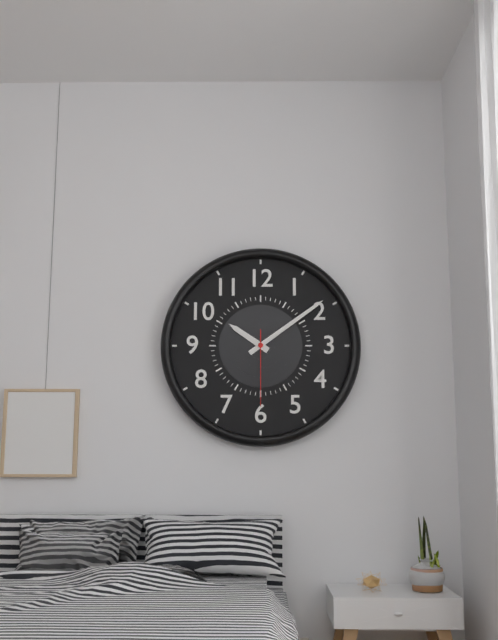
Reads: 10,09,30
